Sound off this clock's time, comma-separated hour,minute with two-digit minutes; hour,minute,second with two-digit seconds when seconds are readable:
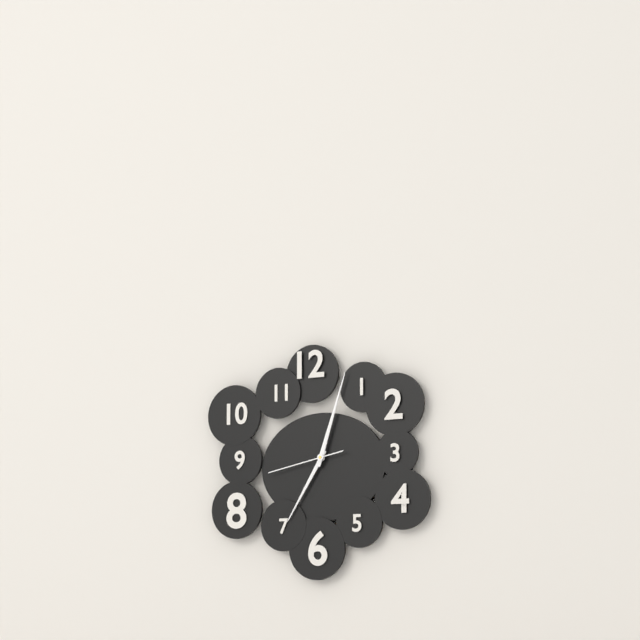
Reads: 7,03,43
